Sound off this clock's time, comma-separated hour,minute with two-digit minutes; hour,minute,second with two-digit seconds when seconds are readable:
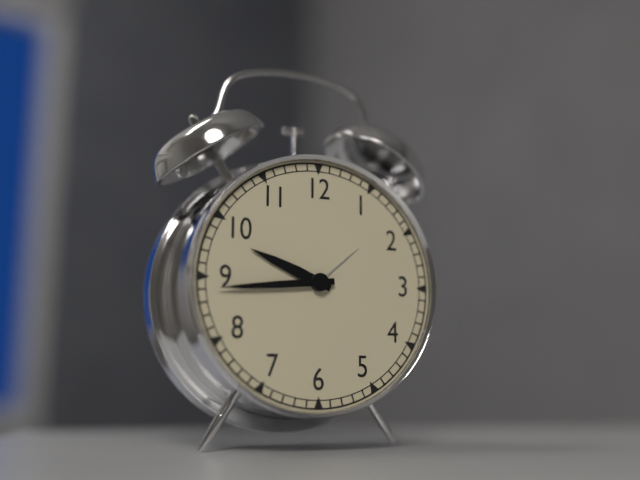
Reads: 9,44
